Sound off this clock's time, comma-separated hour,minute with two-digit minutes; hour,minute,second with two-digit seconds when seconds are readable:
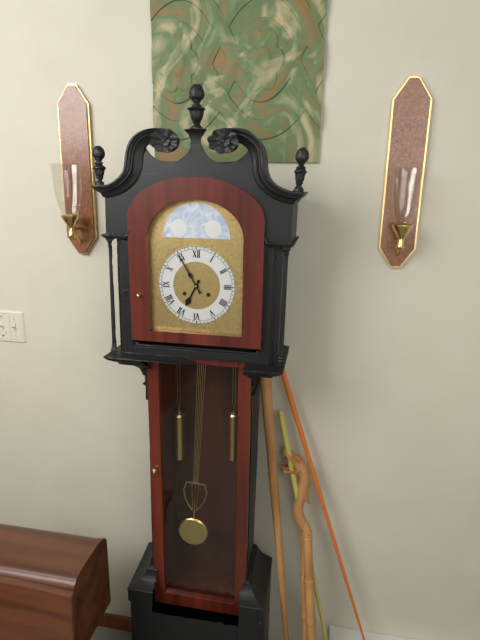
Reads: 6,55
